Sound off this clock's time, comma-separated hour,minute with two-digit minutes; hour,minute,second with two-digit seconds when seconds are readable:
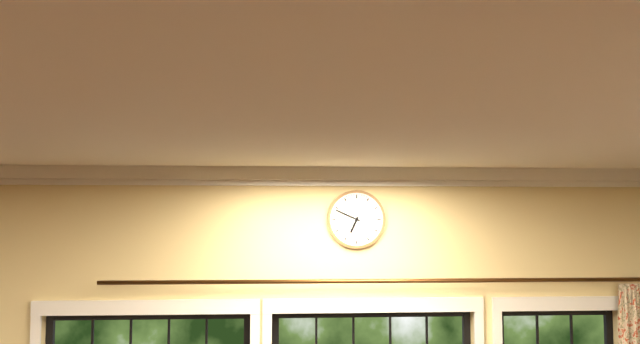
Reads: 6,49
